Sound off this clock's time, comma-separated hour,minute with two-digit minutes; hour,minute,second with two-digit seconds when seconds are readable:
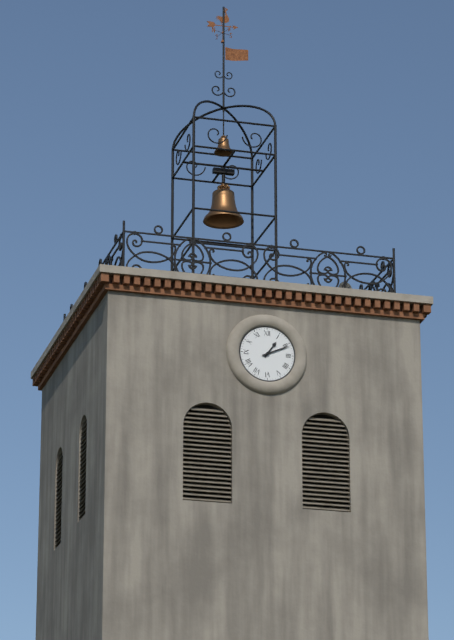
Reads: 1,11
